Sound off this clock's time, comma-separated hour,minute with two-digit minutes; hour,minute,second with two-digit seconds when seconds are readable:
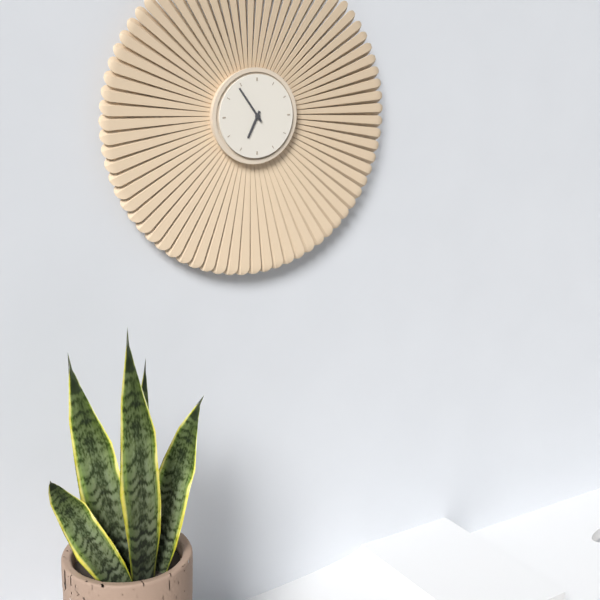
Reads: 6,54
